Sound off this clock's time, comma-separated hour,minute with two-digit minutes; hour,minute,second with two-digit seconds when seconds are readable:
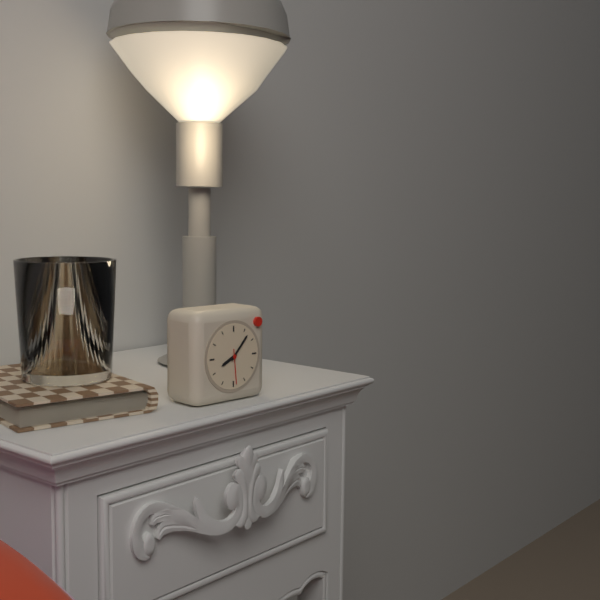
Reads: 8,07
